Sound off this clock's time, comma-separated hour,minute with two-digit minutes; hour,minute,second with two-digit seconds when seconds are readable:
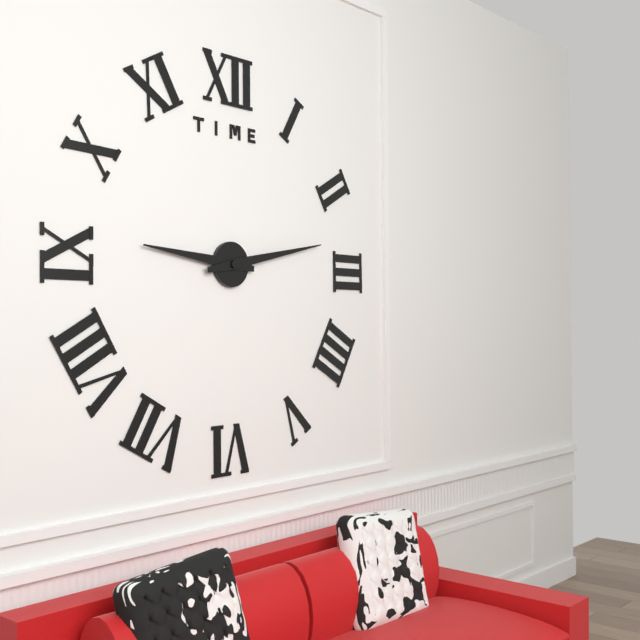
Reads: 9,13
